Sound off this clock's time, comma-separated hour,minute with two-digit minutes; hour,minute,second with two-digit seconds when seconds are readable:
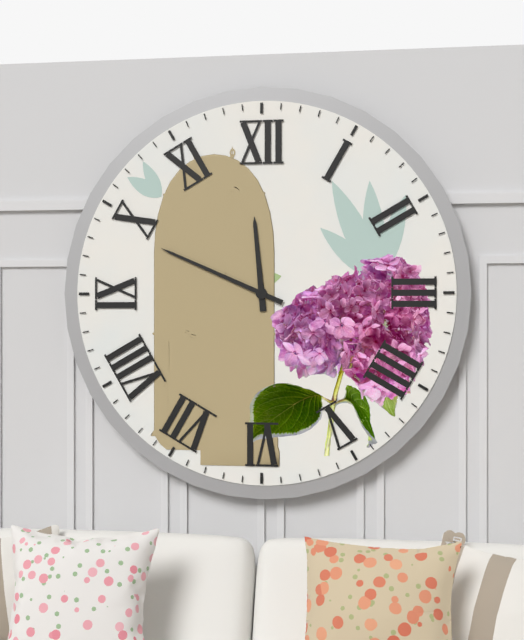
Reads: 11,49
